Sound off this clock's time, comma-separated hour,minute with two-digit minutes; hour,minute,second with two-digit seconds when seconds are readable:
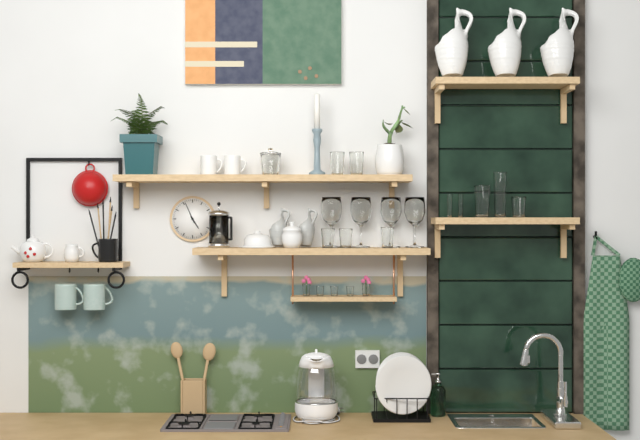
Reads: 4,56
